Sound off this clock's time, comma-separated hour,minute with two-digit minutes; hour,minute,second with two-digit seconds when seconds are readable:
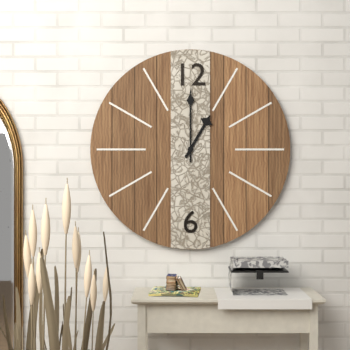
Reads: 1,00
